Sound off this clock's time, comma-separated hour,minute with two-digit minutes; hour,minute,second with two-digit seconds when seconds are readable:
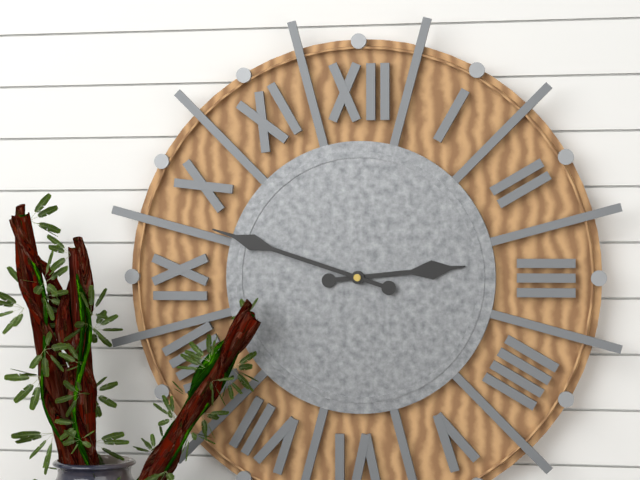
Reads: 2,48
